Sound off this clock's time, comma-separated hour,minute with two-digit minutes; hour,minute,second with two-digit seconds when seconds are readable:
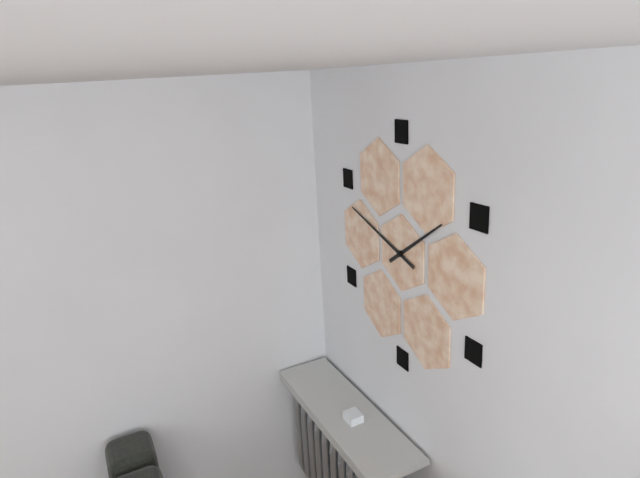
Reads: 1,48
